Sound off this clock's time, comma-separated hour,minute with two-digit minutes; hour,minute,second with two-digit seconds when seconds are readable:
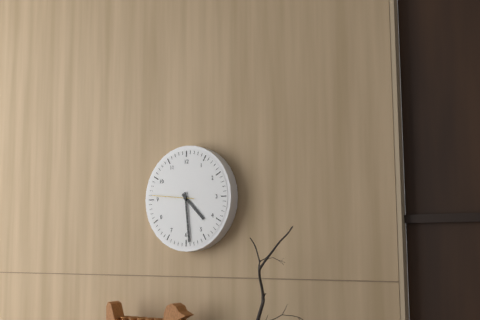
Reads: 4,29
